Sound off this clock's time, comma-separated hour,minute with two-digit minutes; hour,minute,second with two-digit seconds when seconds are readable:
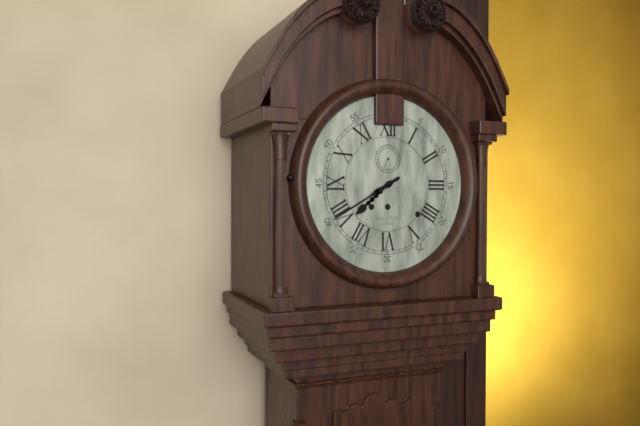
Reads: 7,40
